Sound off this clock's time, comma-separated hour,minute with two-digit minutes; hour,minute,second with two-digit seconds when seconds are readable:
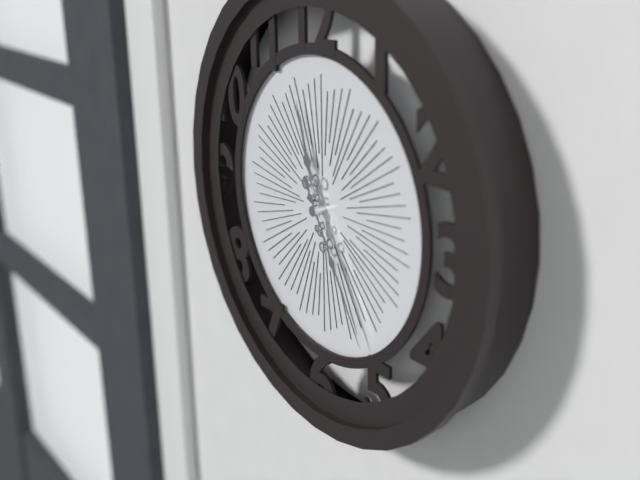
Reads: 11,25
